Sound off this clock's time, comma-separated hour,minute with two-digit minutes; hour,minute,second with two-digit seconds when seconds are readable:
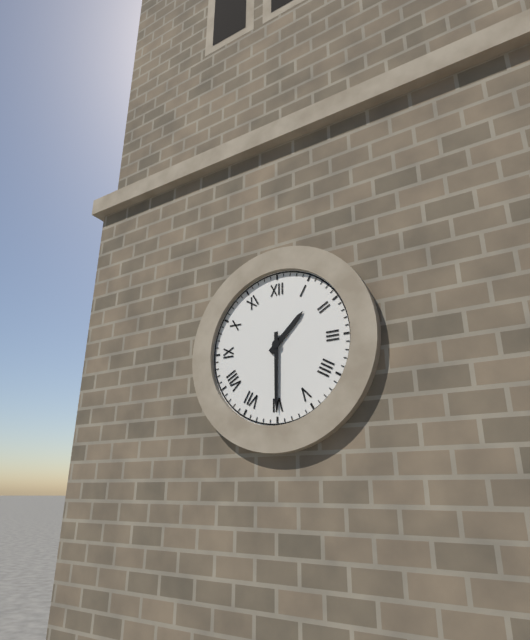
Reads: 1,30
